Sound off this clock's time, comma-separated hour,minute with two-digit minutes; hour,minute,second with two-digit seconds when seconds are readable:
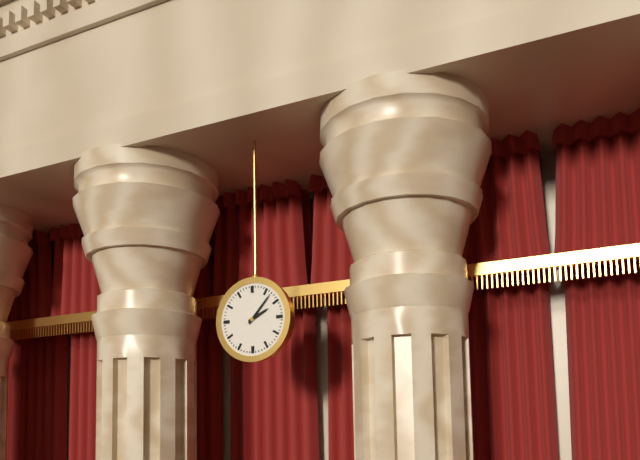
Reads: 2,07
